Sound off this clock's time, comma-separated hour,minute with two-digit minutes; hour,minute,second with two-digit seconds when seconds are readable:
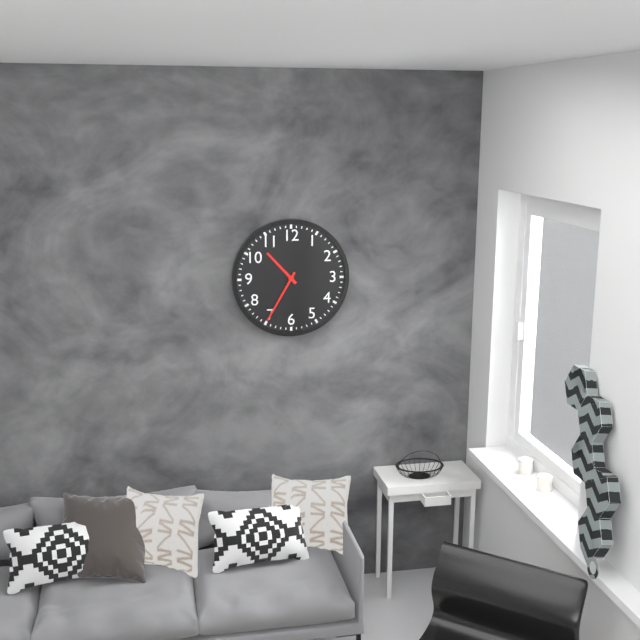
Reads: 10,35
